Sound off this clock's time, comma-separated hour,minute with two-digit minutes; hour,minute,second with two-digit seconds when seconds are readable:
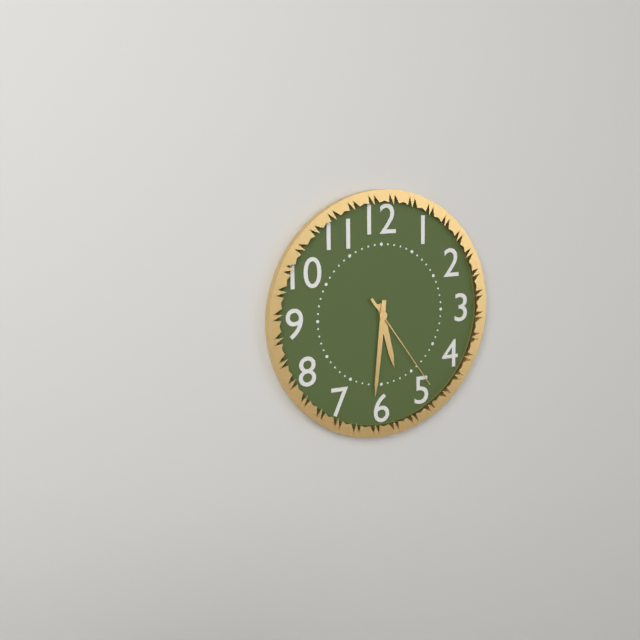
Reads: 5,31,24
